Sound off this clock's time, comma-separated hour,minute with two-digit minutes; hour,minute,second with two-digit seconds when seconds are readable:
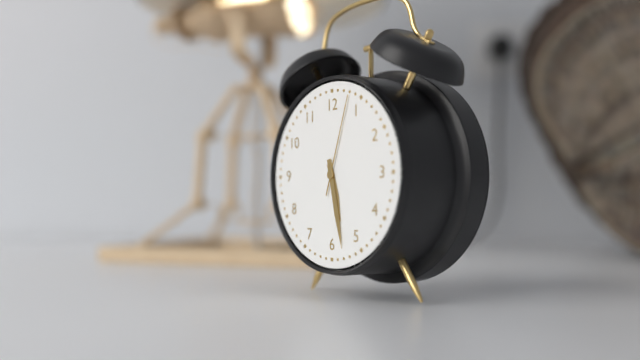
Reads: 5,28,03
